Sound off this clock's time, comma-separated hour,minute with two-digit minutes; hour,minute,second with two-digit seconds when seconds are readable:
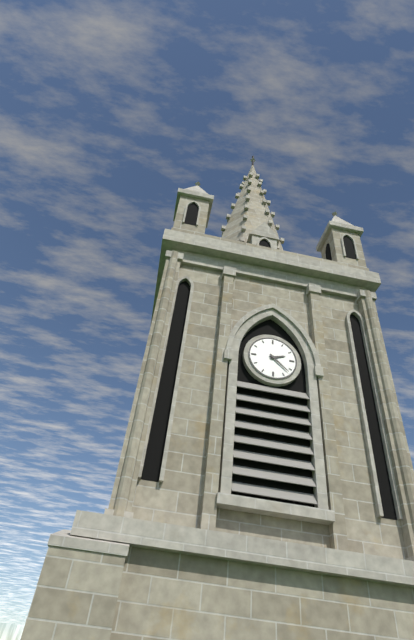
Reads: 2,22
